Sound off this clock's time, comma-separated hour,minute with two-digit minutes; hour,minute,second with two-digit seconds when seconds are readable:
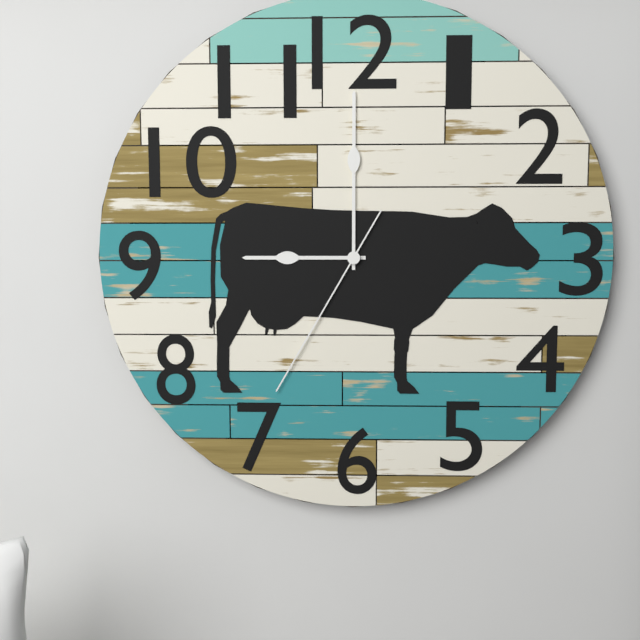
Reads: 9,00,35
